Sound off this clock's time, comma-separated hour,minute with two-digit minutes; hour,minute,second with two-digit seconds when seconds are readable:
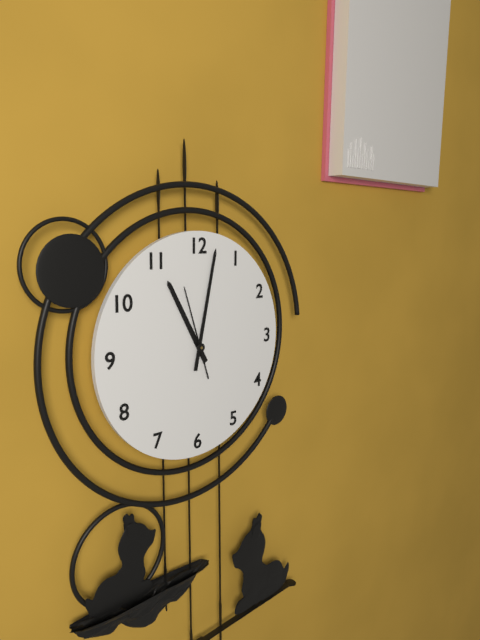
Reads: 11,02,57
